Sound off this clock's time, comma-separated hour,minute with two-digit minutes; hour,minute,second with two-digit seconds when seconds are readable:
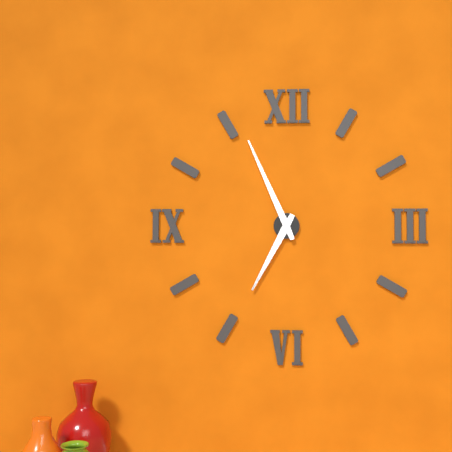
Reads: 6,56
